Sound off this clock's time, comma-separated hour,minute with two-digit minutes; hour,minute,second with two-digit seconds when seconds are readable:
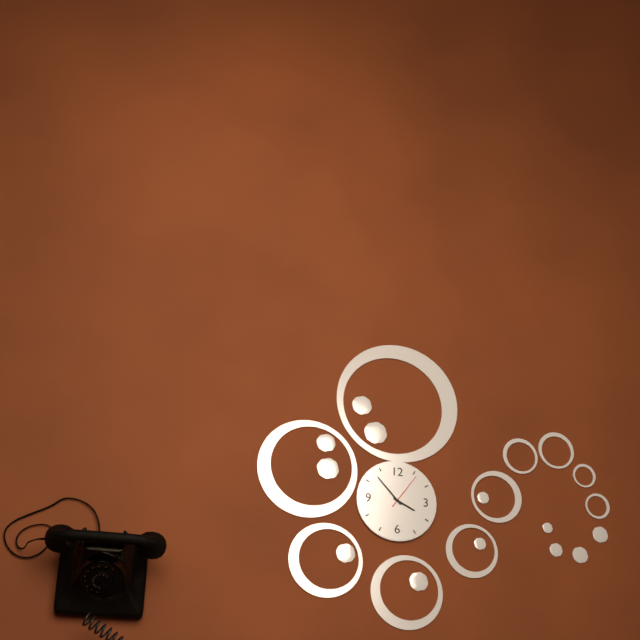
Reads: 3,53
